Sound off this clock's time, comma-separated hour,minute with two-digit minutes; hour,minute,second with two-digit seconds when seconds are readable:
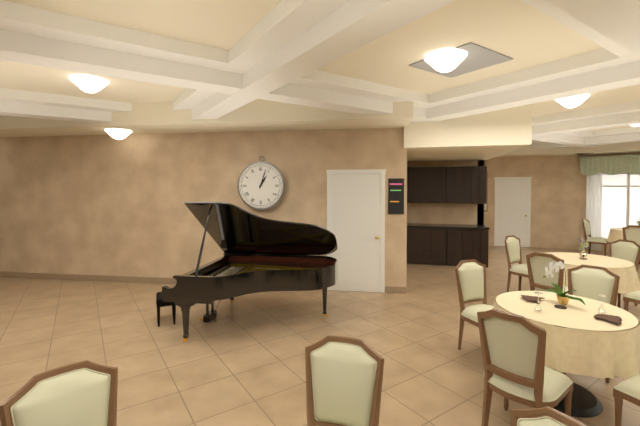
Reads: 1,03
